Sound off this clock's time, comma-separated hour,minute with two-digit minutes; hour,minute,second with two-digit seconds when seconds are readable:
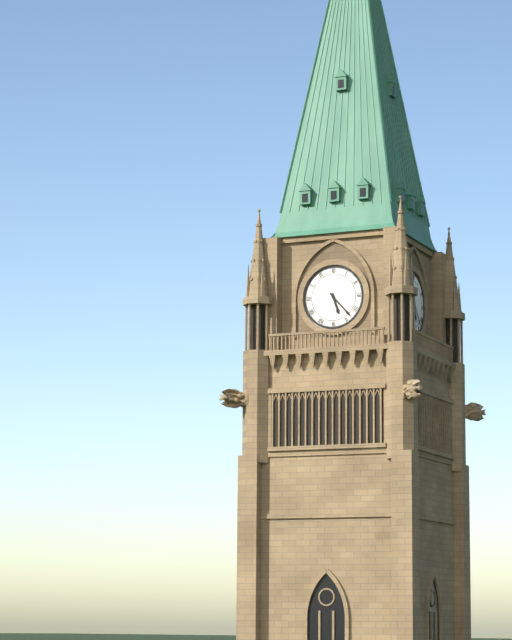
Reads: 5,23
